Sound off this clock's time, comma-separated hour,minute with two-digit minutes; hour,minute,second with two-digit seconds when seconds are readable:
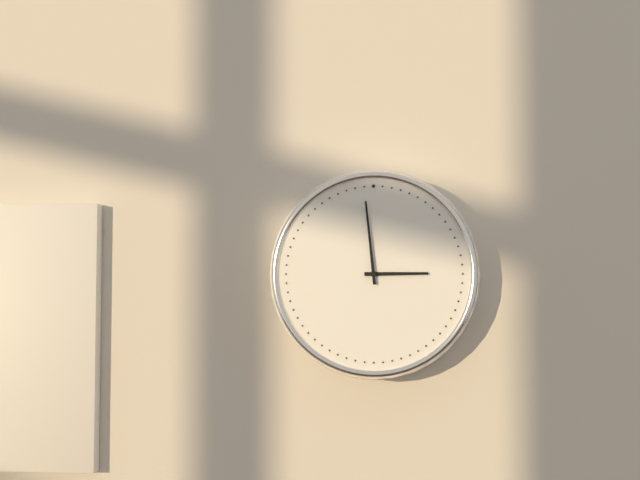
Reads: 2,59
